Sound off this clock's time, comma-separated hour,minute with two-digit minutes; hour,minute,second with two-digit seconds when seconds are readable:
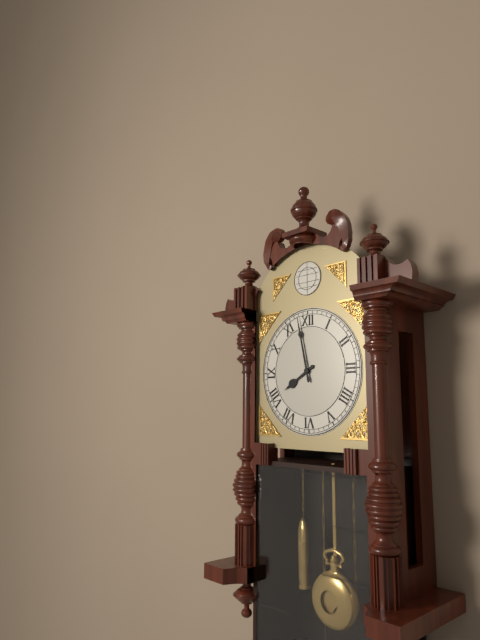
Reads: 7,58
